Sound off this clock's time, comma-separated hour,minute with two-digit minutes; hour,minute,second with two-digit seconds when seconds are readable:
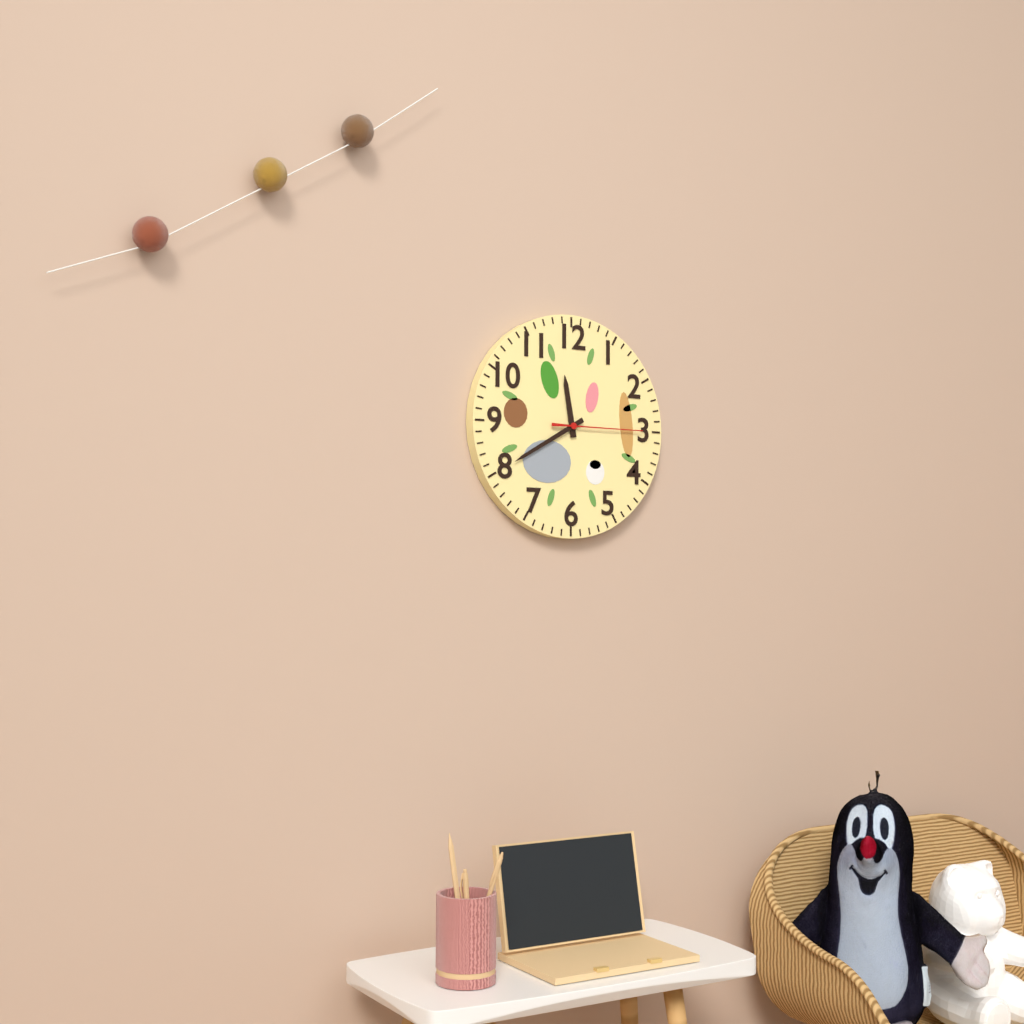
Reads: 11,40,15
